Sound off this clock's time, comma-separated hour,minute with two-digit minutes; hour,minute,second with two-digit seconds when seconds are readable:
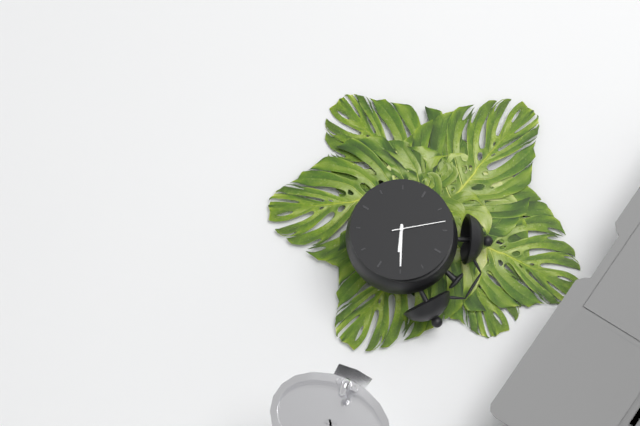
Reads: 2,10,53
